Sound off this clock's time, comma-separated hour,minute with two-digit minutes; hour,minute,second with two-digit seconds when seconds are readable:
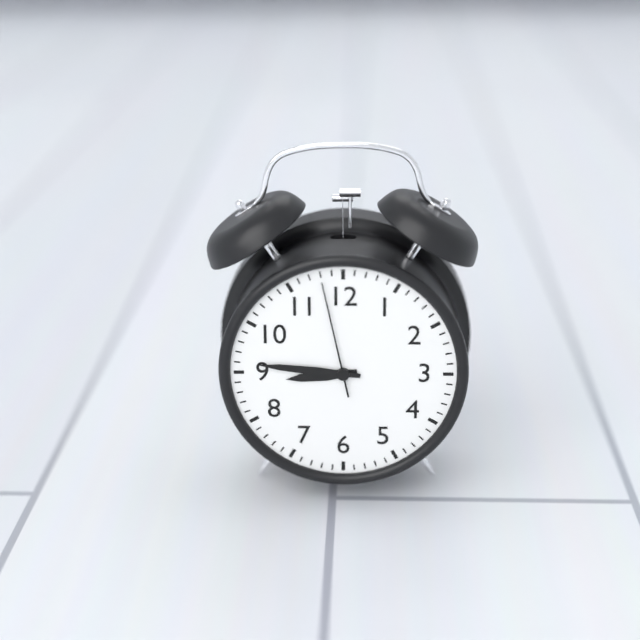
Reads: 8,46,58
